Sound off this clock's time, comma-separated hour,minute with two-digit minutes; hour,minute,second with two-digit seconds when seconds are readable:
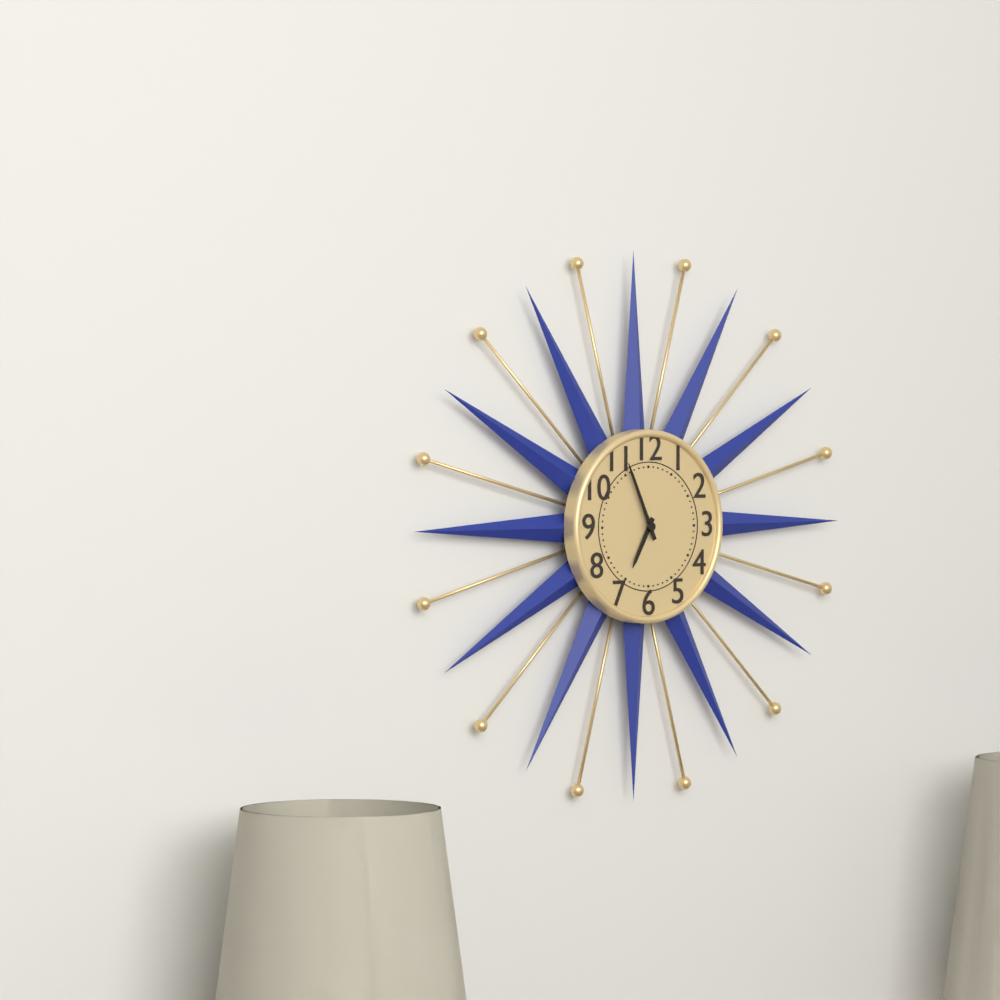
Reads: 6,56
